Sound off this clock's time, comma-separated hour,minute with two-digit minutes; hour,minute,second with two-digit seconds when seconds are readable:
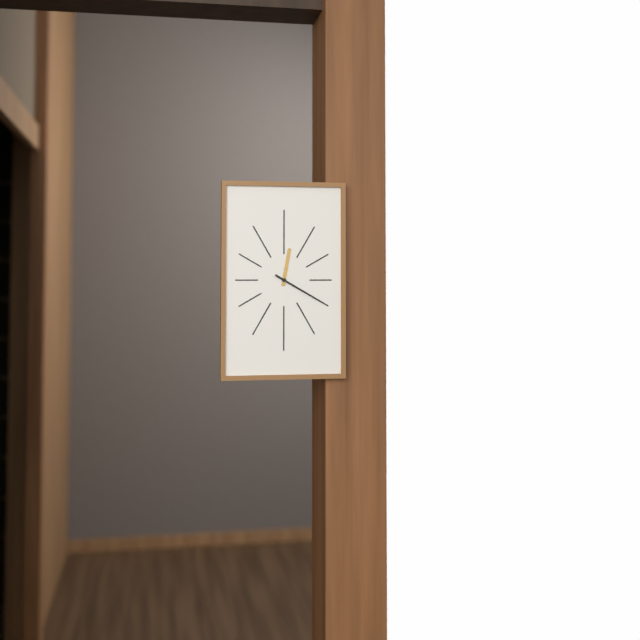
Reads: 12,20
